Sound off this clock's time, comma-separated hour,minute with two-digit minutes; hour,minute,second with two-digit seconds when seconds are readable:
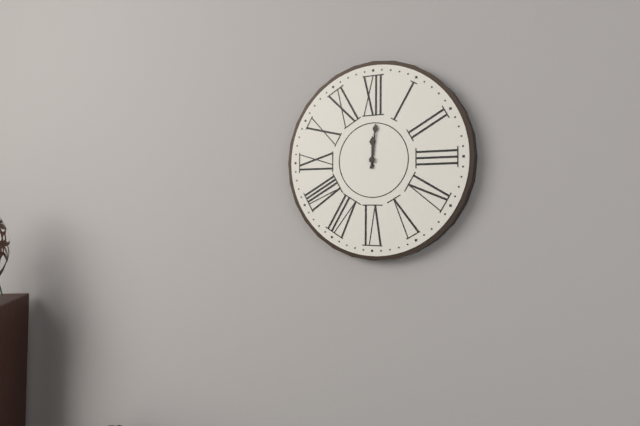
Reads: 12,01
